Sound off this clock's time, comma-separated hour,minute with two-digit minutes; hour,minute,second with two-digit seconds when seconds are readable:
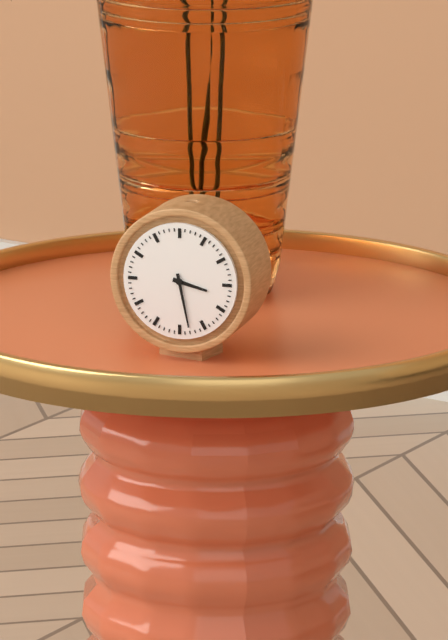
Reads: 3,28
